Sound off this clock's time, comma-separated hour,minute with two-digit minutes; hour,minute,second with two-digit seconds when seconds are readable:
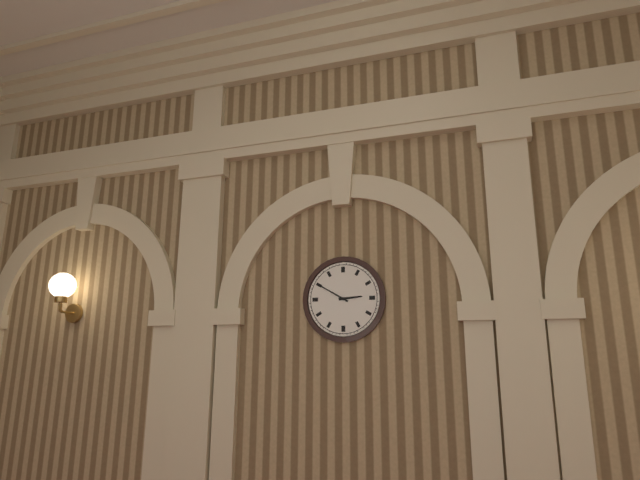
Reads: 2,50
